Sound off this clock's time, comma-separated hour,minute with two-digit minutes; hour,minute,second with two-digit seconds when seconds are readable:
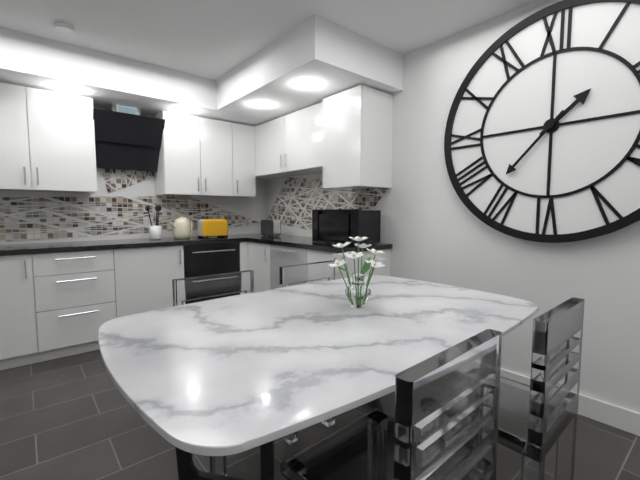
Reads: 1,37
